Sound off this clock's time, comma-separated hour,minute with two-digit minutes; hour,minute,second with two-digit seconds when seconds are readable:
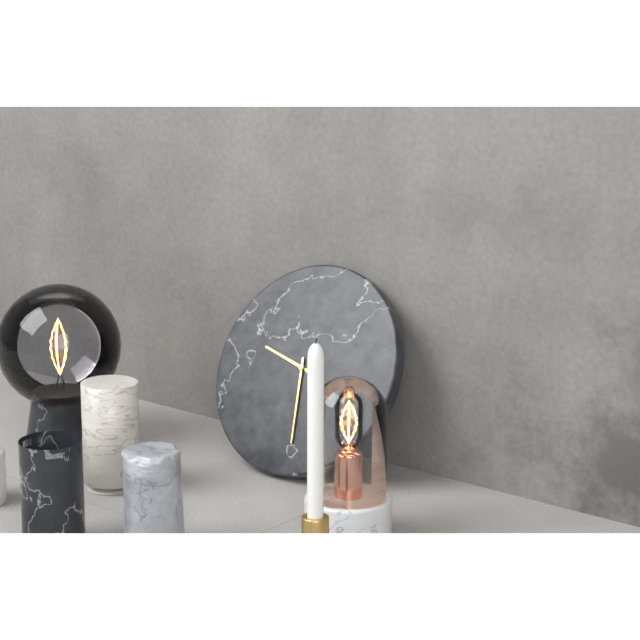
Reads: 9,28
